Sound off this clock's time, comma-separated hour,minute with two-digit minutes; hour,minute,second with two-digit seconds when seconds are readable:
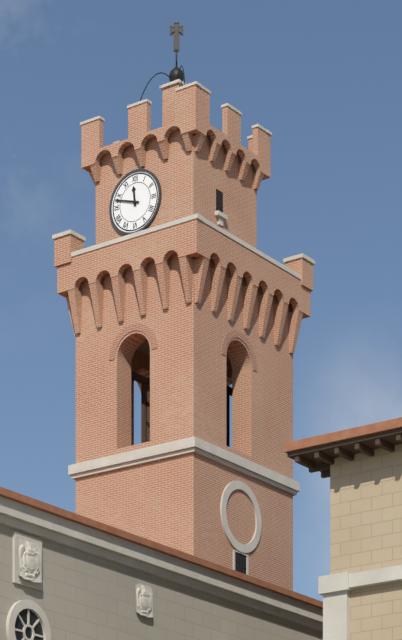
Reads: 11,48
